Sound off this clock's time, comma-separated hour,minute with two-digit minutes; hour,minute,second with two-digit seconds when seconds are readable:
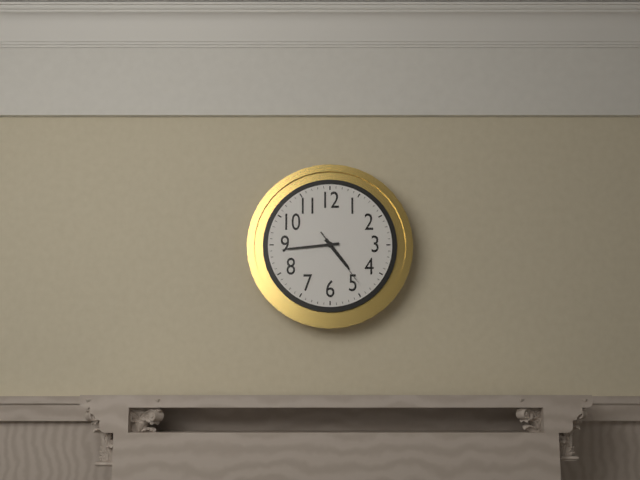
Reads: 4,44,24
